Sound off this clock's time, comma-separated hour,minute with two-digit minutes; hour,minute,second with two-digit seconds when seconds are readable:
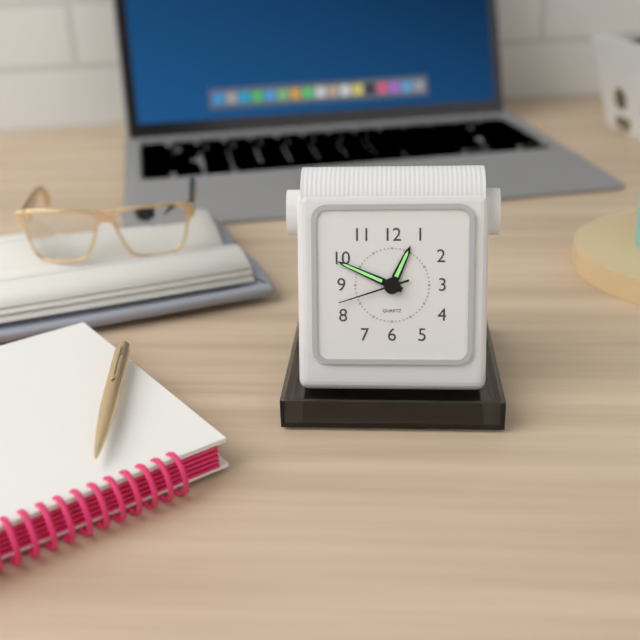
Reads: 12,49,42
